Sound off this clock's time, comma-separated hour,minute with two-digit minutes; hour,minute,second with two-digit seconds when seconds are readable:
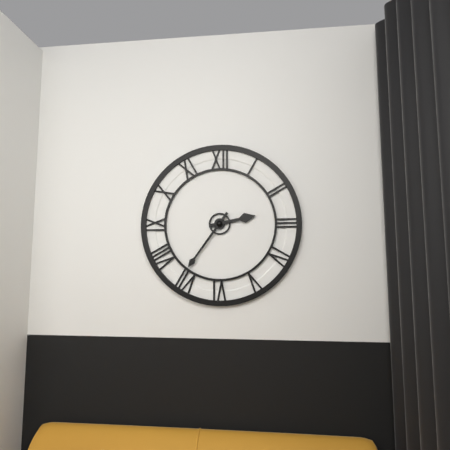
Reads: 2,36
